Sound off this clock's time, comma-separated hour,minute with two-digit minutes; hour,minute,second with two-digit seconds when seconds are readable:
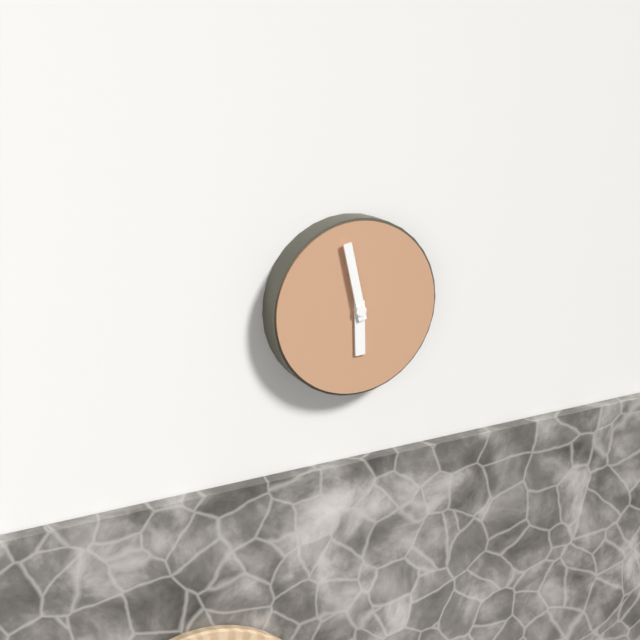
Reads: 5,58
